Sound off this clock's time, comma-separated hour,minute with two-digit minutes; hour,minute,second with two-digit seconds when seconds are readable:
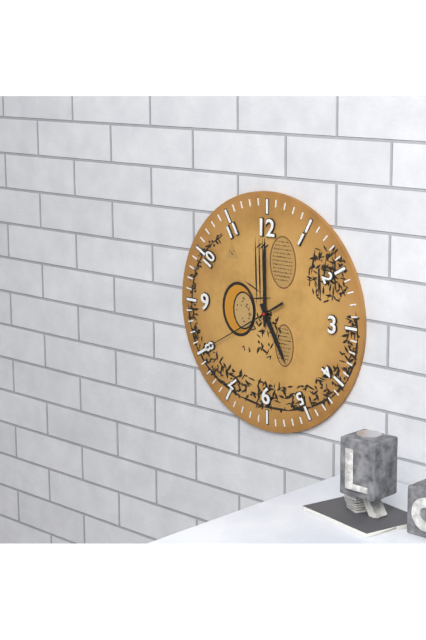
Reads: 5,00,40
